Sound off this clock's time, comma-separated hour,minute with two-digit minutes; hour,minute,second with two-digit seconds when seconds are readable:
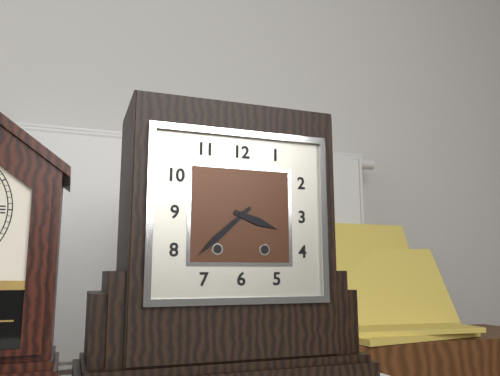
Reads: 3,38
